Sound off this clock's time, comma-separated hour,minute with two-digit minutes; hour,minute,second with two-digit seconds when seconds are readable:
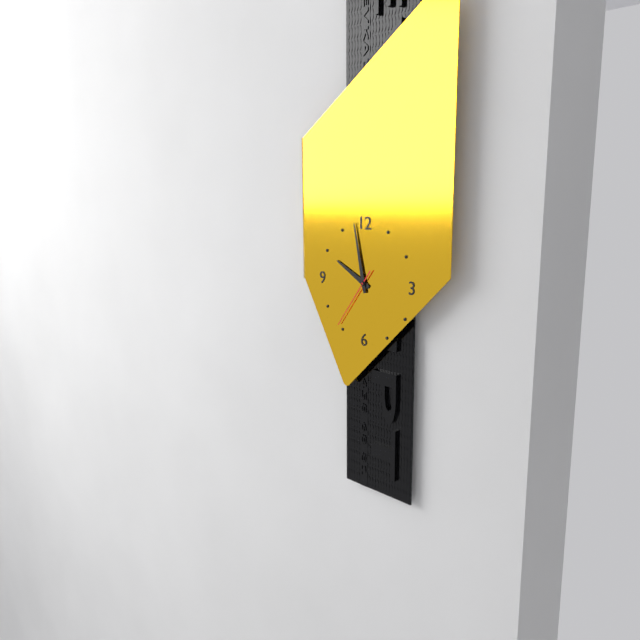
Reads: 9,58,36
